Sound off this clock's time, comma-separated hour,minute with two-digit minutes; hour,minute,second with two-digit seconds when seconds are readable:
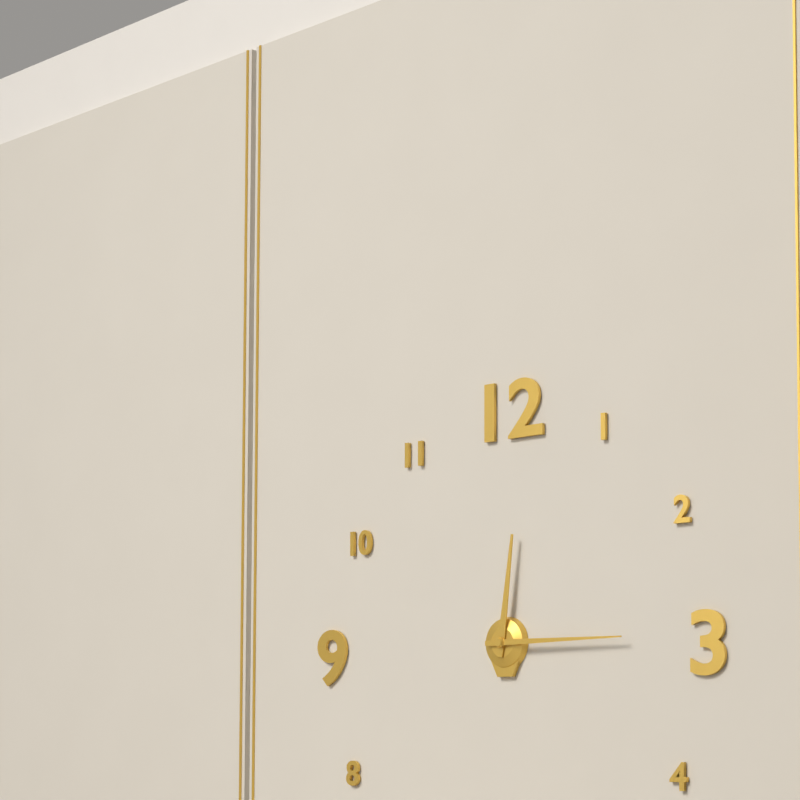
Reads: 12,15
